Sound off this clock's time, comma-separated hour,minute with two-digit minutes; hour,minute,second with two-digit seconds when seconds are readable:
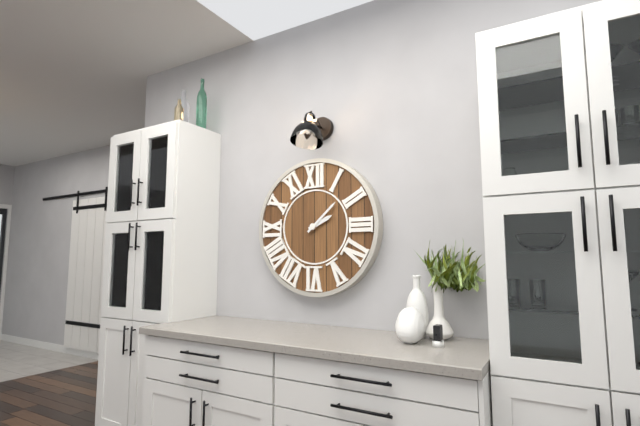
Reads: 2,08
